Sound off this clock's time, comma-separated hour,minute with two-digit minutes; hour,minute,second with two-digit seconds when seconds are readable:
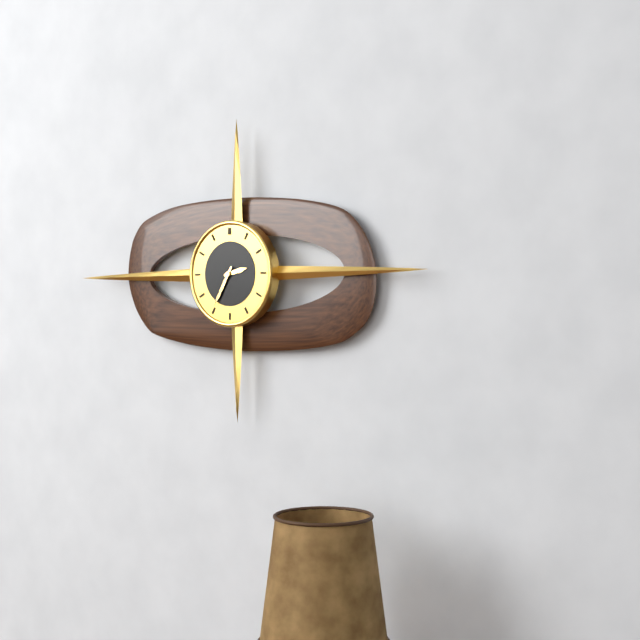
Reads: 2,35
